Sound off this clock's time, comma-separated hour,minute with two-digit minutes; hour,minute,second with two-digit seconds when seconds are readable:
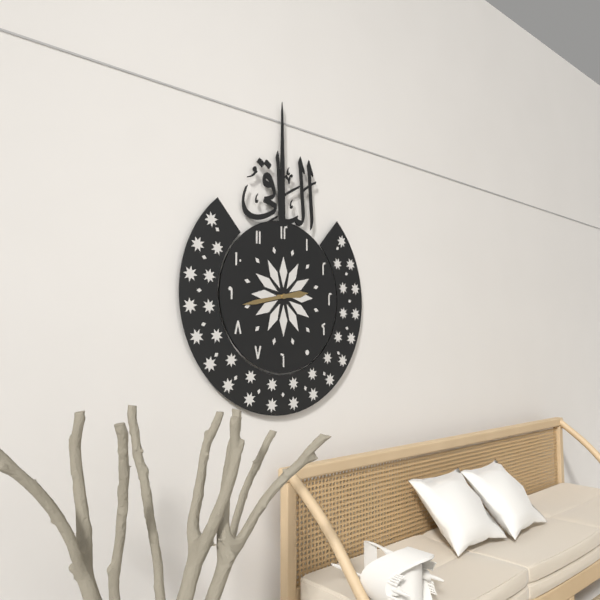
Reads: 2,43
